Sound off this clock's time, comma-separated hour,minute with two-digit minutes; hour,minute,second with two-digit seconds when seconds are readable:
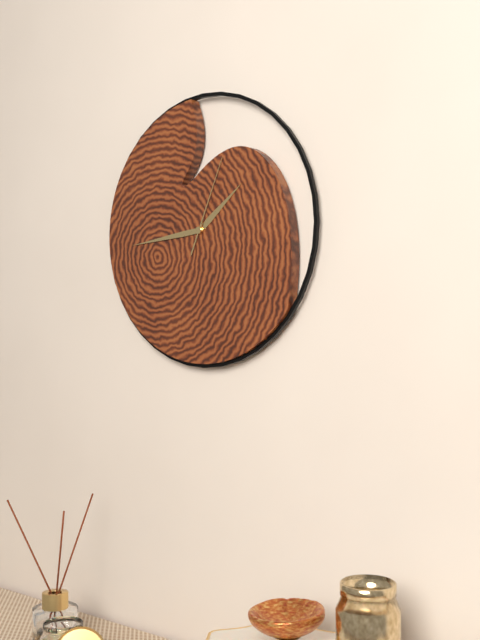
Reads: 1,44,04
